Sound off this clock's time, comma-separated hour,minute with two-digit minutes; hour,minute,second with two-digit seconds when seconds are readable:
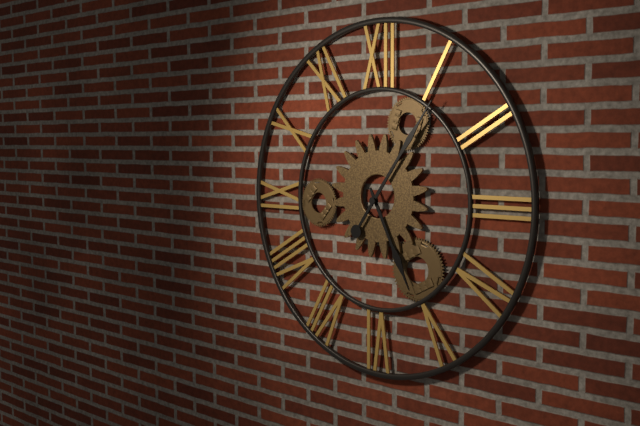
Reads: 5,06
